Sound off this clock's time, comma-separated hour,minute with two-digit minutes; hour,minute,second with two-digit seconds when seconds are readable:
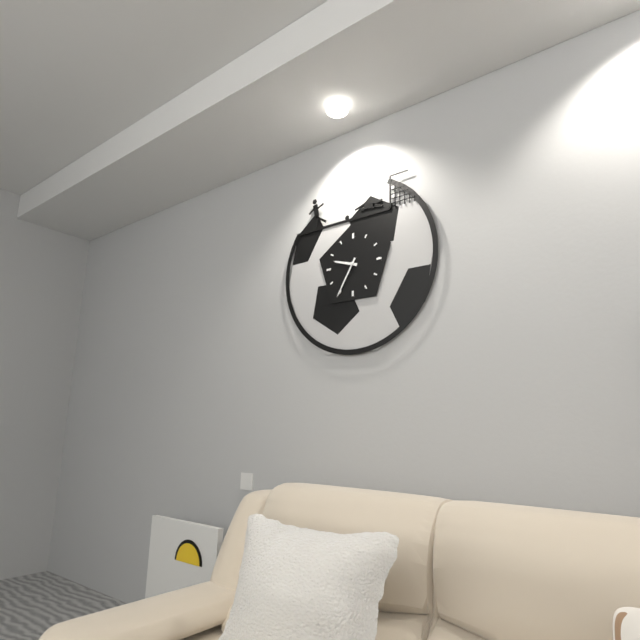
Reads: 9,35
